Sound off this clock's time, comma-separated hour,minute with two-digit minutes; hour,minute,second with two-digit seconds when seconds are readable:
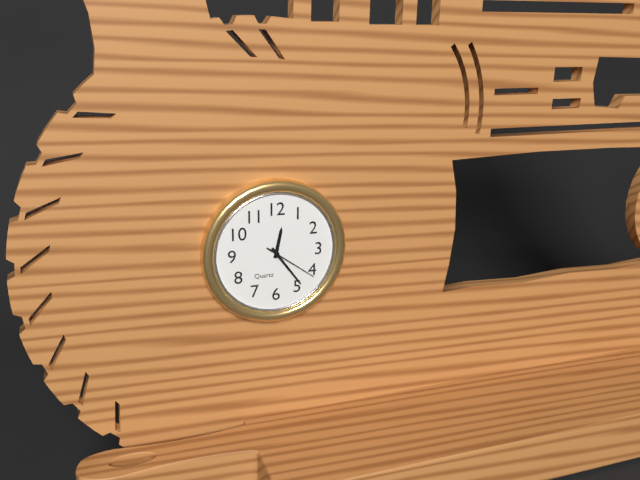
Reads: 12,24,21
